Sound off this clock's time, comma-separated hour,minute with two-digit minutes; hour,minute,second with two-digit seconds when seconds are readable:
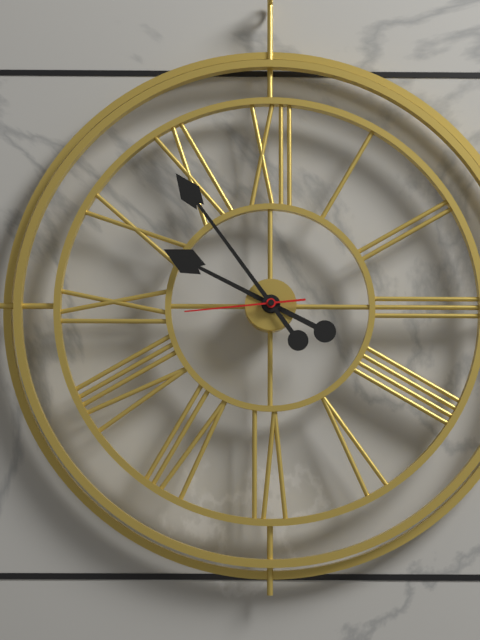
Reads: 9,54,44
